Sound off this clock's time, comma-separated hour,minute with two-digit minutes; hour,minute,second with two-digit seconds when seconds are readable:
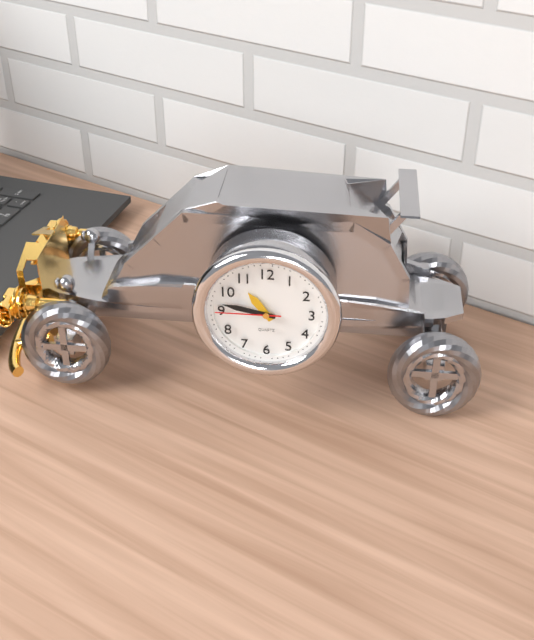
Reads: 10,47,45
